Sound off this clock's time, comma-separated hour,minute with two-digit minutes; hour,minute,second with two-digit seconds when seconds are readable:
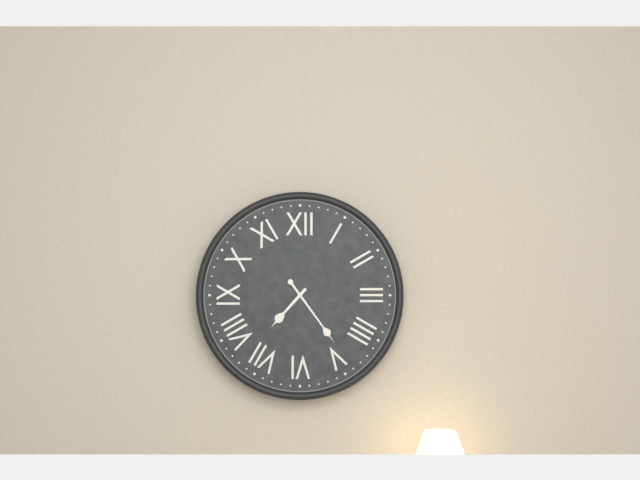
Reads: 7,24
